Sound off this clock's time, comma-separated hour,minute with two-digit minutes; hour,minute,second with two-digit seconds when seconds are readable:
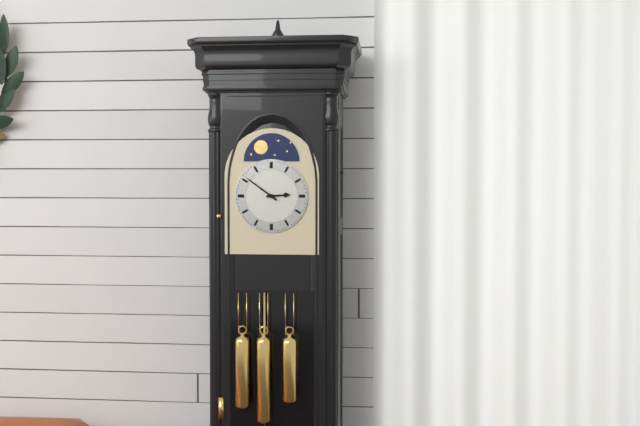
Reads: 2,51
